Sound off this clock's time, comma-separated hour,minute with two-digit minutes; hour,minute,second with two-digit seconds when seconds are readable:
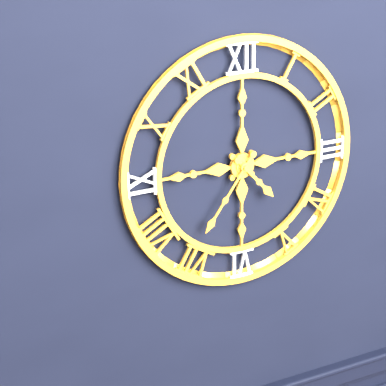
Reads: 4,36
